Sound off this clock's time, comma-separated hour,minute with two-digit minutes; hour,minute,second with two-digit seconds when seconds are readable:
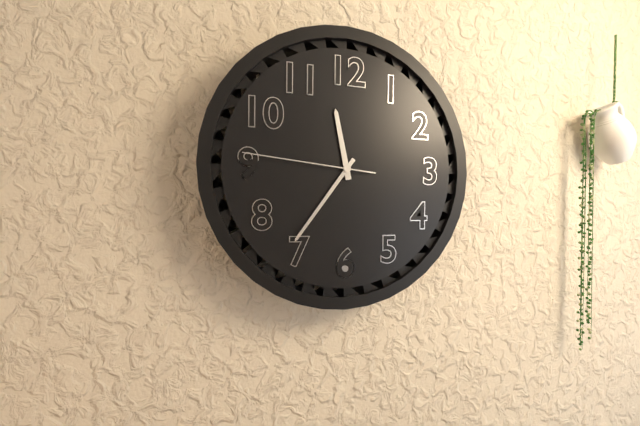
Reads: 11,36,46
